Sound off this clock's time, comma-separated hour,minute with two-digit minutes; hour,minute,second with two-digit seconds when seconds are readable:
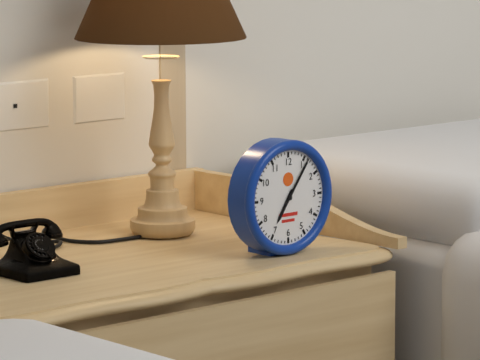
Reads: 7,06
